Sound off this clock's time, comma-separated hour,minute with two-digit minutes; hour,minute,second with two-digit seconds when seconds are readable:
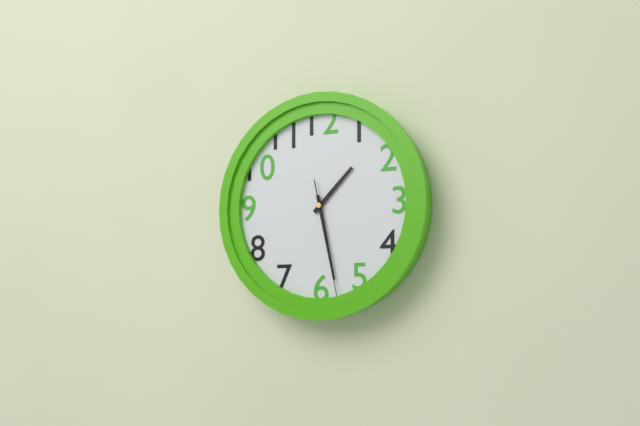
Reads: 1,28,28
